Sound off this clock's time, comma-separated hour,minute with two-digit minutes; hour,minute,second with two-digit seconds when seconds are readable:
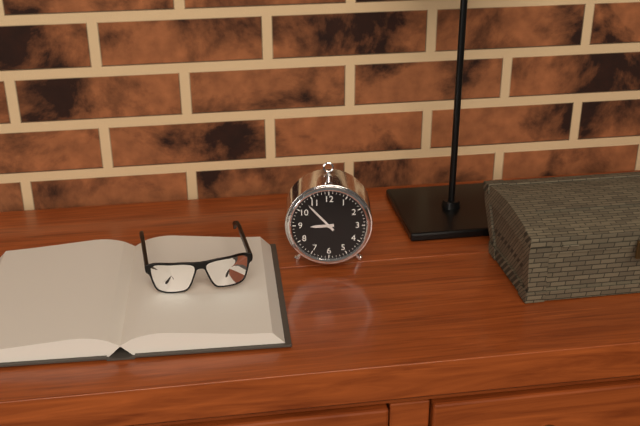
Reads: 8,53
